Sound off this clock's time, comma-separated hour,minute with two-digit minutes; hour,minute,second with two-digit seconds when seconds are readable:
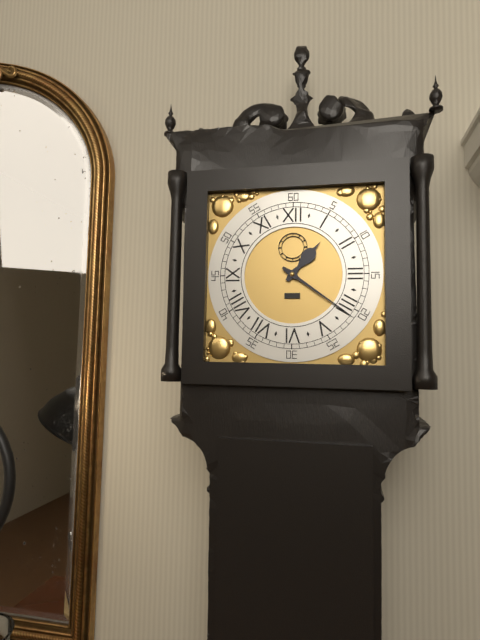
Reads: 1,21
